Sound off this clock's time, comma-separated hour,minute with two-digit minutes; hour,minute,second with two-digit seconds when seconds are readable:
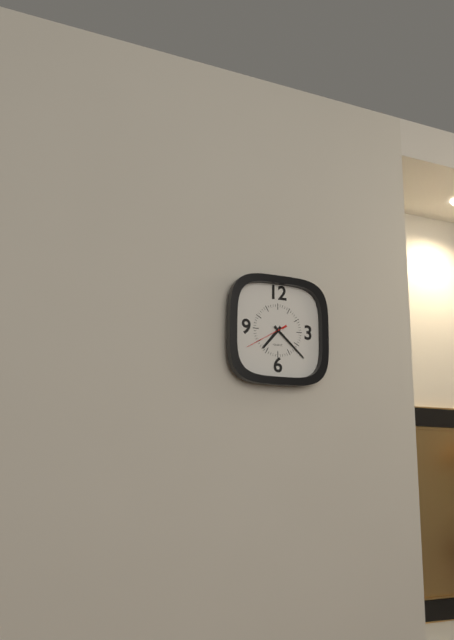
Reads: 7,22
